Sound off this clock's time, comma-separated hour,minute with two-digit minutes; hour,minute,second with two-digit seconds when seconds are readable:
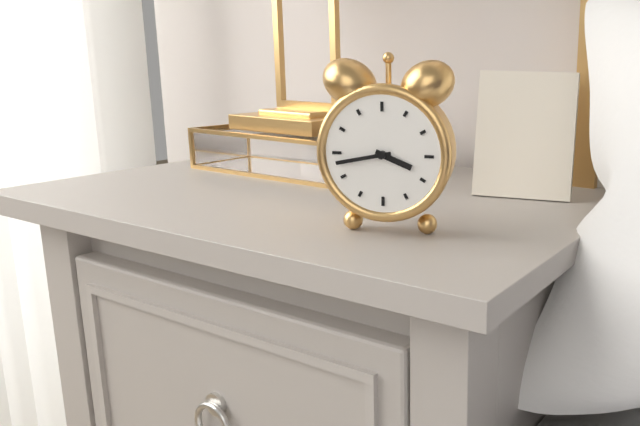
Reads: 3,43
